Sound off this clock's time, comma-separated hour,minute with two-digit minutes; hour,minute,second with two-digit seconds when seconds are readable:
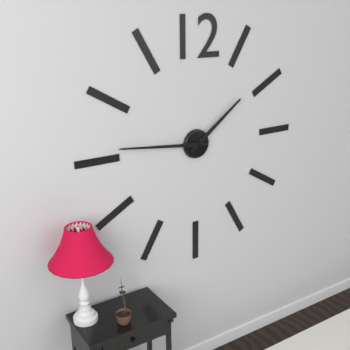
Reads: 1,46
